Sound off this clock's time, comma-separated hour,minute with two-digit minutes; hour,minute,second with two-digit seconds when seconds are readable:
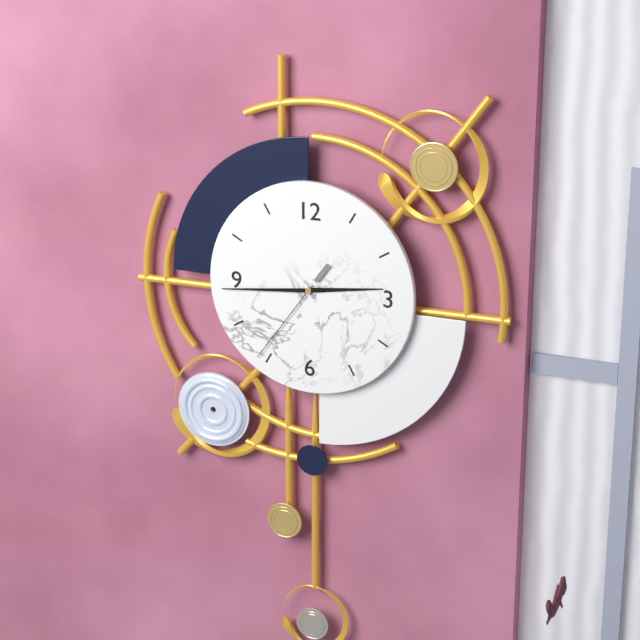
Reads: 2,44,36
